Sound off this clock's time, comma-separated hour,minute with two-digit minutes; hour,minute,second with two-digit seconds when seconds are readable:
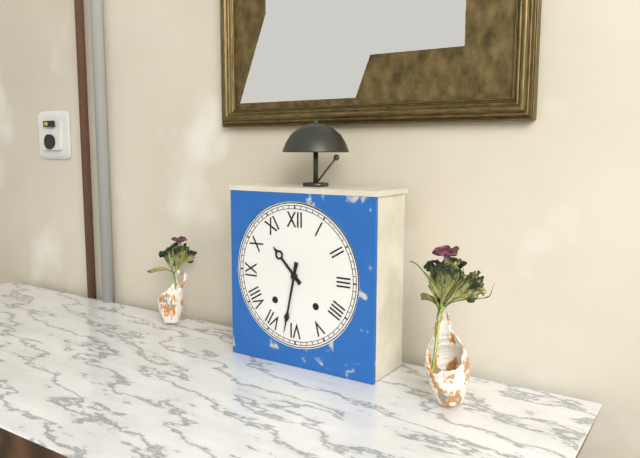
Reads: 10,32
